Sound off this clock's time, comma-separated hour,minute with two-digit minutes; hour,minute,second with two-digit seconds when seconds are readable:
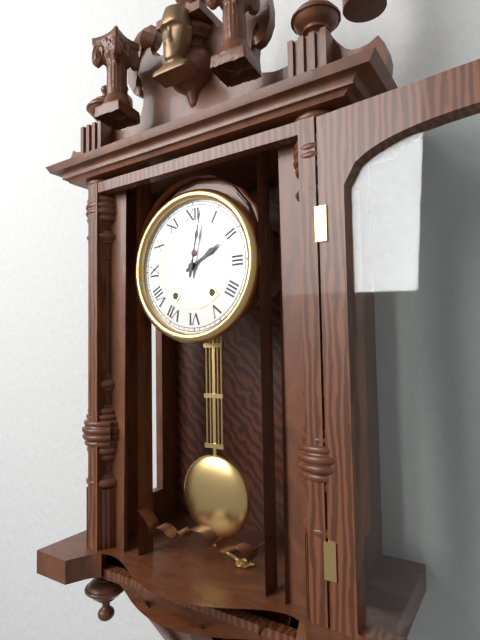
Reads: 2,02
